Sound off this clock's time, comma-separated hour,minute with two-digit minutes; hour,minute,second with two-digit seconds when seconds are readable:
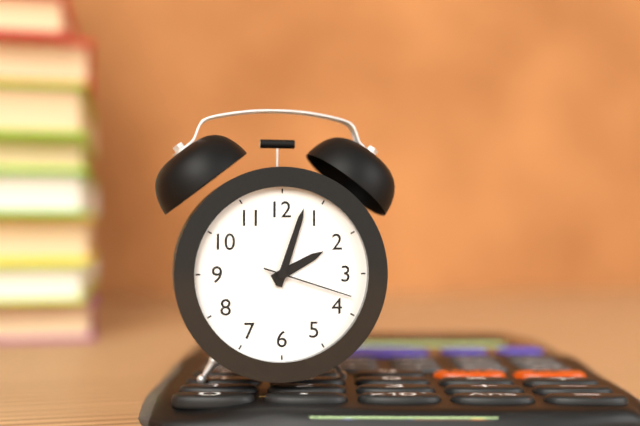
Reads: 2,03,18
